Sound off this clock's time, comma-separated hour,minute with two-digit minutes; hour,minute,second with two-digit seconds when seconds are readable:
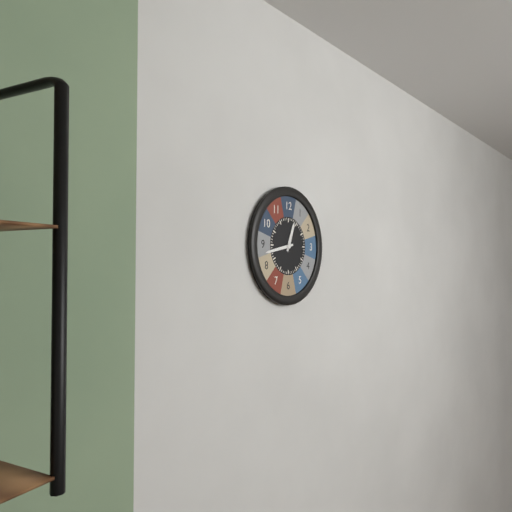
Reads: 12,43
